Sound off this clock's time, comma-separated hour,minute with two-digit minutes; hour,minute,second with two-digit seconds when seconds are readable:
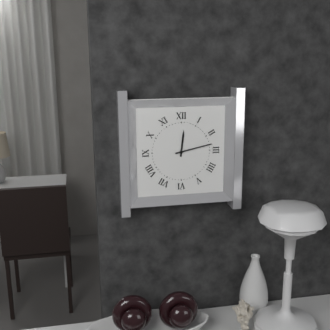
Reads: 12,13
